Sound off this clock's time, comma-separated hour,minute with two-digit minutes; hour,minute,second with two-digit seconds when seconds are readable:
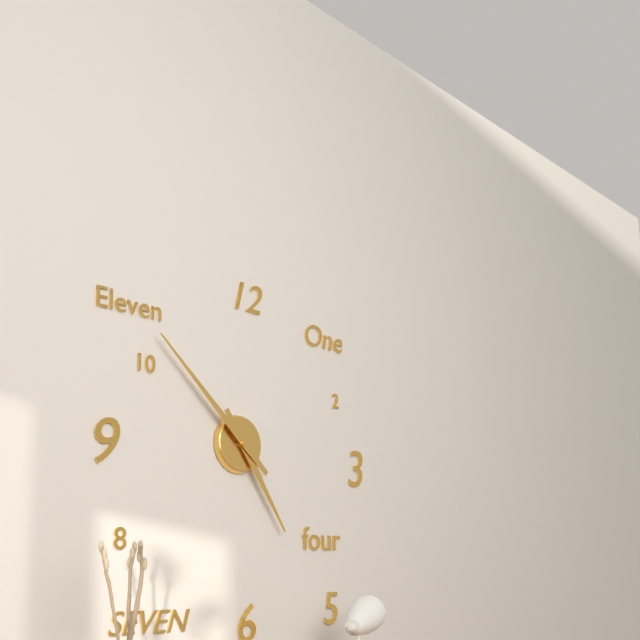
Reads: 4,52
